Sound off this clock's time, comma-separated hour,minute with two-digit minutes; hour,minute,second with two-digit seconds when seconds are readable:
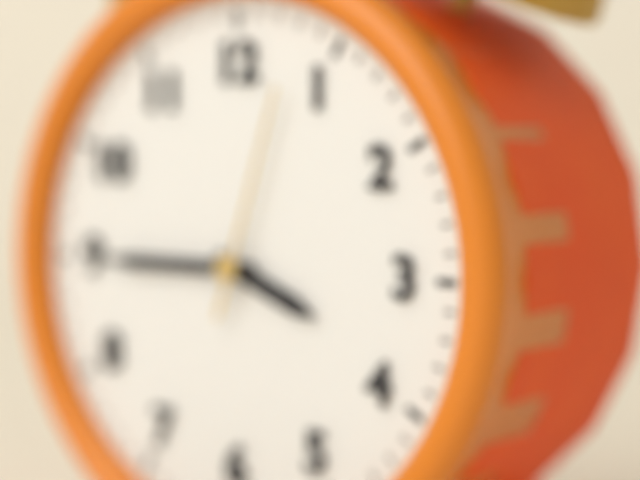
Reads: 3,45,03
